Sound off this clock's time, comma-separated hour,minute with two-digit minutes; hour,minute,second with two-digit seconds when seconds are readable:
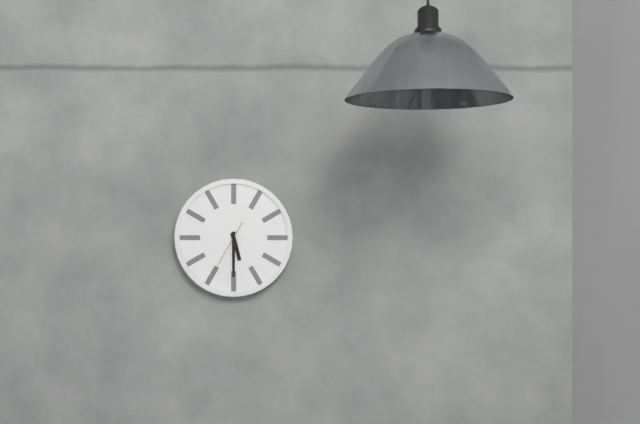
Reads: 5,30,35
